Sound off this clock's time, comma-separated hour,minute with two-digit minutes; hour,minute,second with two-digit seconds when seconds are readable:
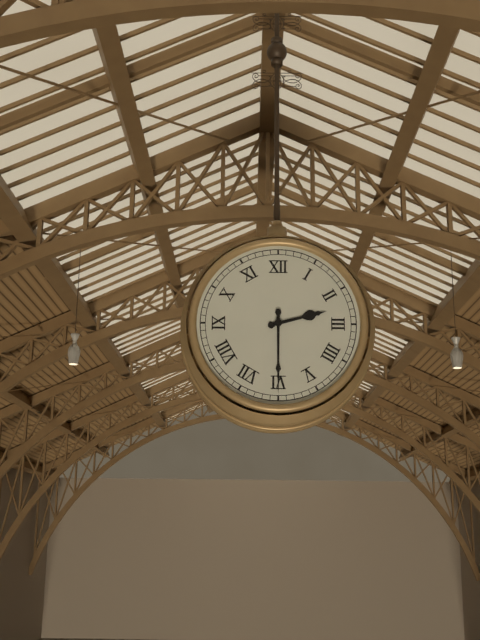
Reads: 2,30
